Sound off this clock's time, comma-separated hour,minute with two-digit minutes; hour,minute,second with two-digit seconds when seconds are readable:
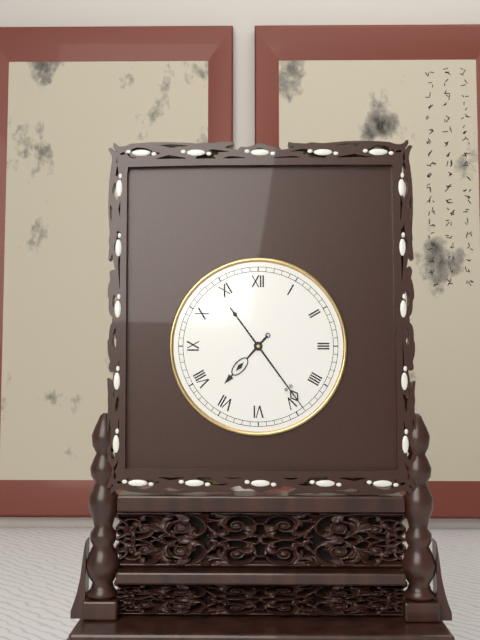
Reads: 7,24
